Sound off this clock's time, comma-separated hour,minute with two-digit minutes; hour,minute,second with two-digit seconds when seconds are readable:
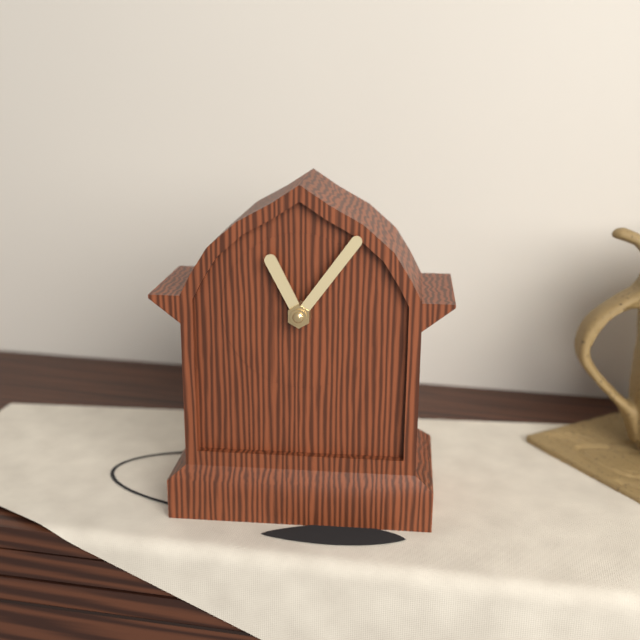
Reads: 11,06
